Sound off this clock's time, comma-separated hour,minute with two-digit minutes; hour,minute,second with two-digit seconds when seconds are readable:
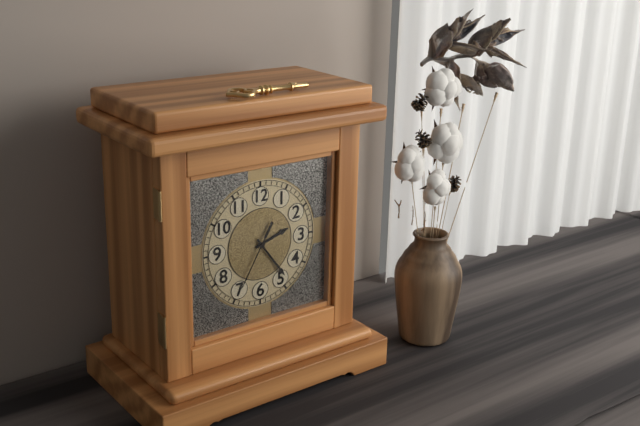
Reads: 2,24,35
